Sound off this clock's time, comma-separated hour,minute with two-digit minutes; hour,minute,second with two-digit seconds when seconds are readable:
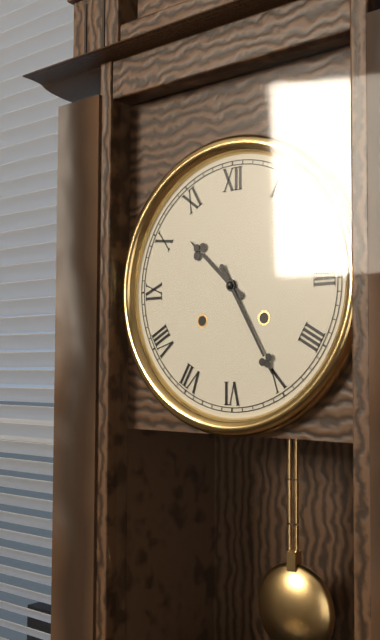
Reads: 10,25
